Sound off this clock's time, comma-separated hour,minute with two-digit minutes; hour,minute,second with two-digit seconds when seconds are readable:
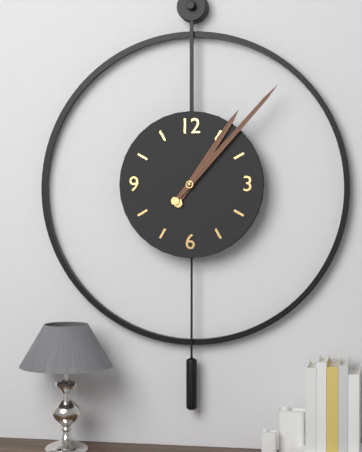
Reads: 1,07
